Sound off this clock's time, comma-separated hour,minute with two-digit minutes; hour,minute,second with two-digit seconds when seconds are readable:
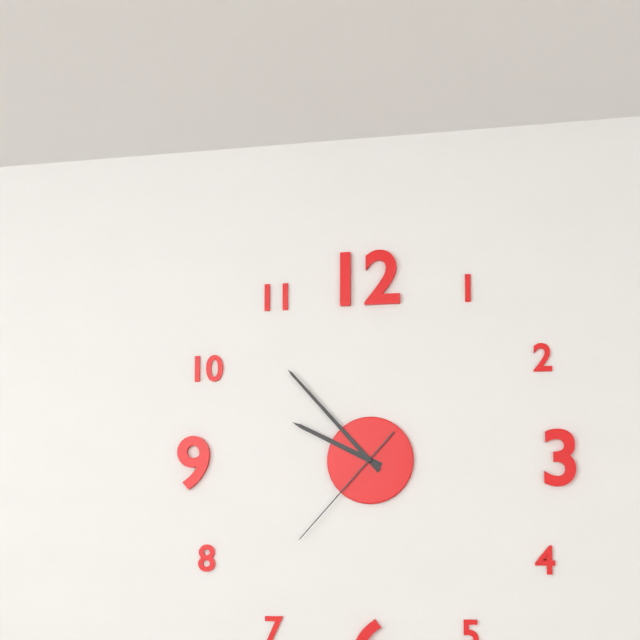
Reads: 9,53,37
